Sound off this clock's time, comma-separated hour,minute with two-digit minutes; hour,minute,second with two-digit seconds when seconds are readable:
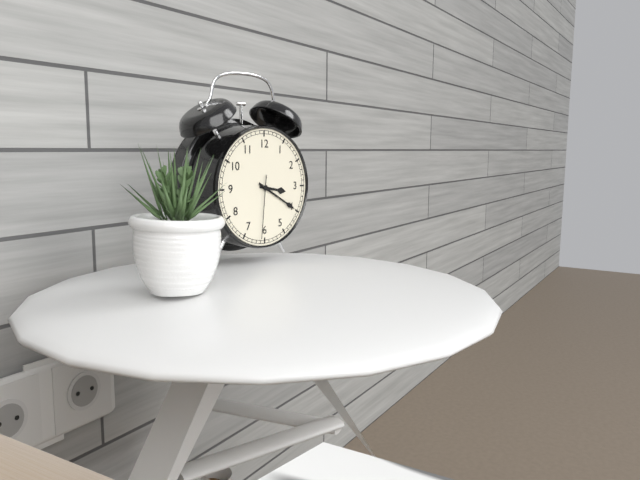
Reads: 3,20,31
